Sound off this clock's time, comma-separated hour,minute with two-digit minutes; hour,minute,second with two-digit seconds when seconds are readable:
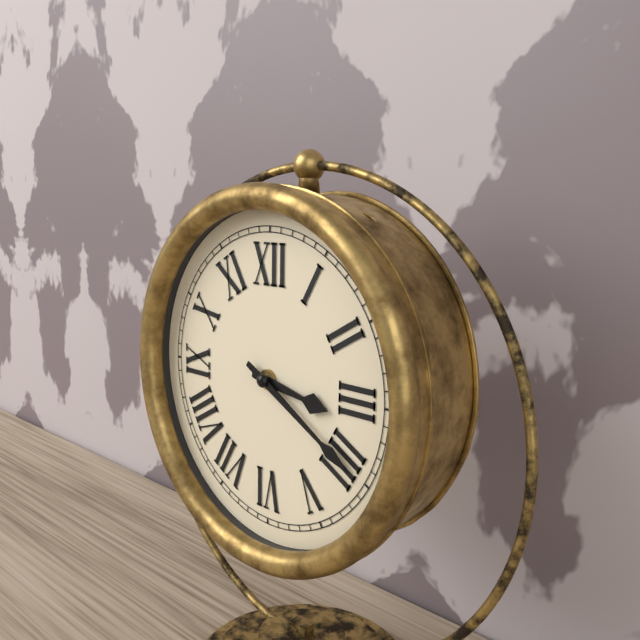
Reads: 3,20
